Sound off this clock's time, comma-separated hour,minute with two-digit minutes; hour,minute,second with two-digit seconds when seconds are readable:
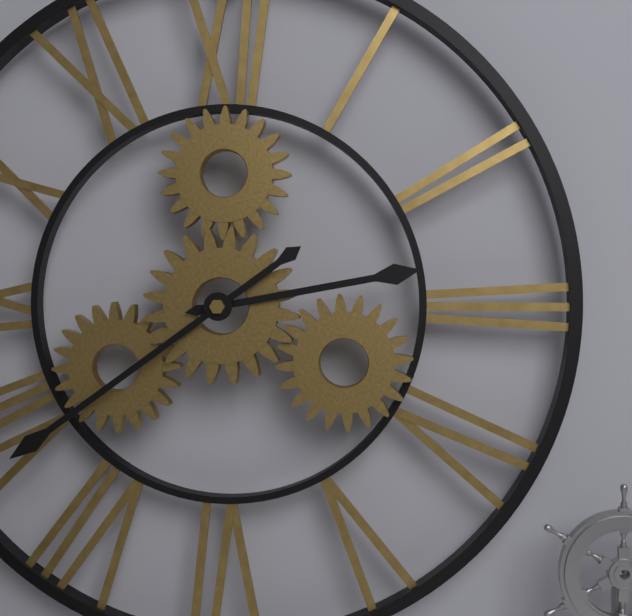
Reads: 2,39
